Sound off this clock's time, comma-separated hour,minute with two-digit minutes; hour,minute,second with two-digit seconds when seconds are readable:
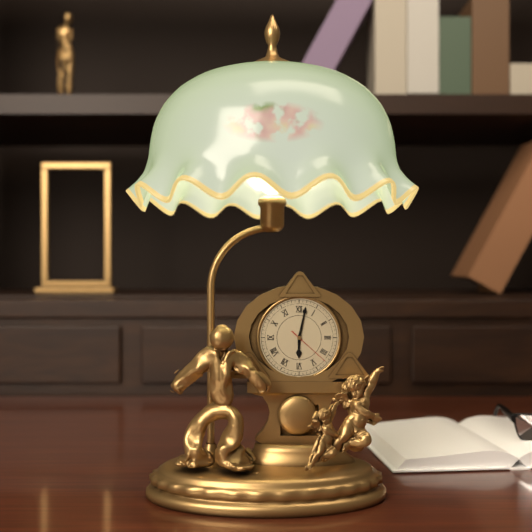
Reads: 6,02
